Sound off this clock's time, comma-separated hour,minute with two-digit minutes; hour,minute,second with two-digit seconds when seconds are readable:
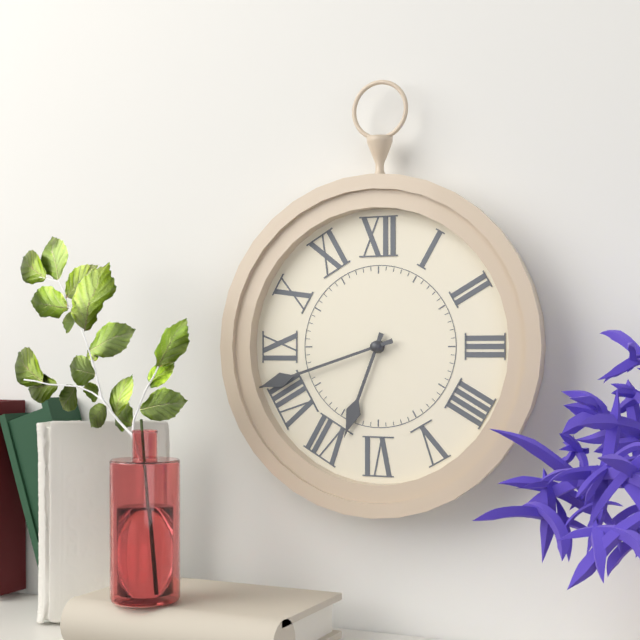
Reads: 6,42
